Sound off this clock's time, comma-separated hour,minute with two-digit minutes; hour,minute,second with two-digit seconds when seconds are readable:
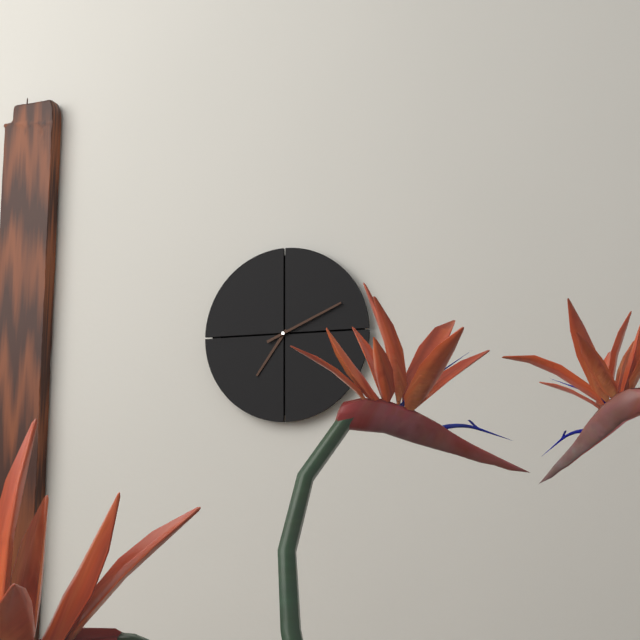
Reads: 7,11
